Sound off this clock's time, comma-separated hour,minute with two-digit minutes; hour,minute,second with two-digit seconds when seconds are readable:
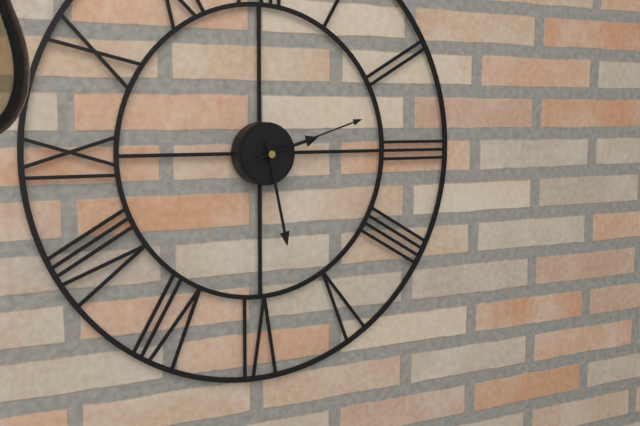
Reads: 2,28,12
